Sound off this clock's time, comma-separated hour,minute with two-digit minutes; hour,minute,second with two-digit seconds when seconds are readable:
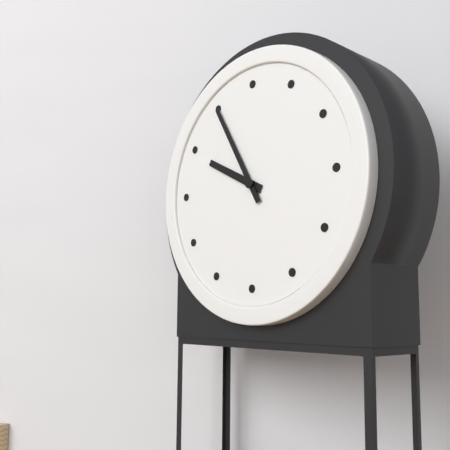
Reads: 9,55
